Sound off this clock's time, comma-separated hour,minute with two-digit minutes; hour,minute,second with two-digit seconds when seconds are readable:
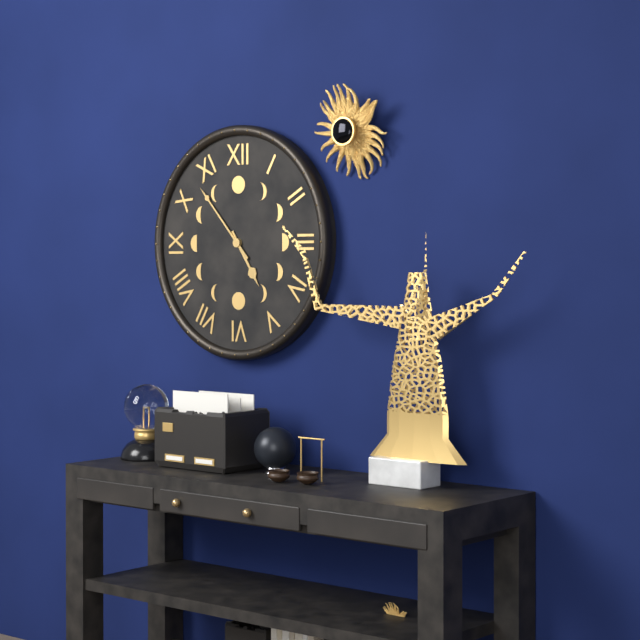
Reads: 4,53
